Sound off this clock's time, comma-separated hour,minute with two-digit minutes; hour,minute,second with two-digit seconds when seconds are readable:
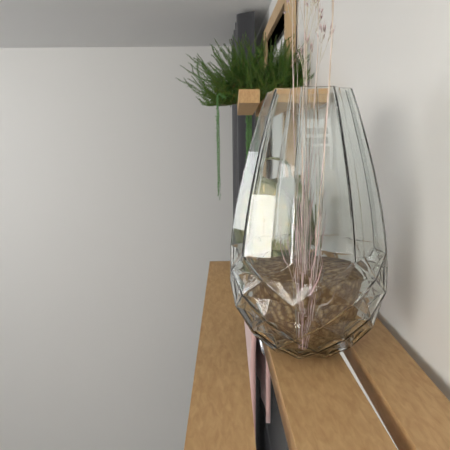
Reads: 11,30
